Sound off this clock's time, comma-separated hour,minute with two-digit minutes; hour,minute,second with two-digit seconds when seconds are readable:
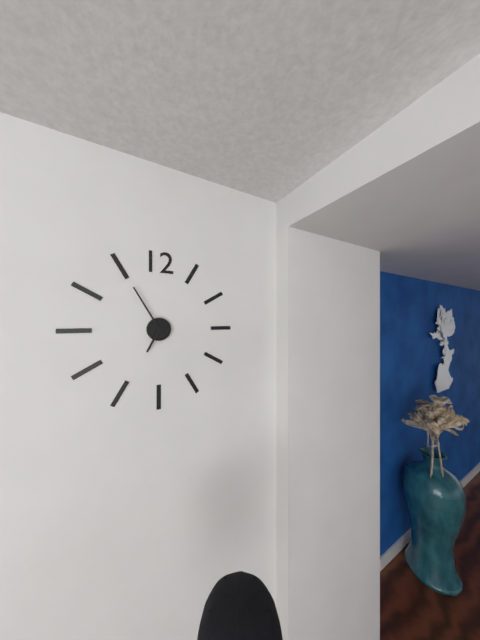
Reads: 6,55
